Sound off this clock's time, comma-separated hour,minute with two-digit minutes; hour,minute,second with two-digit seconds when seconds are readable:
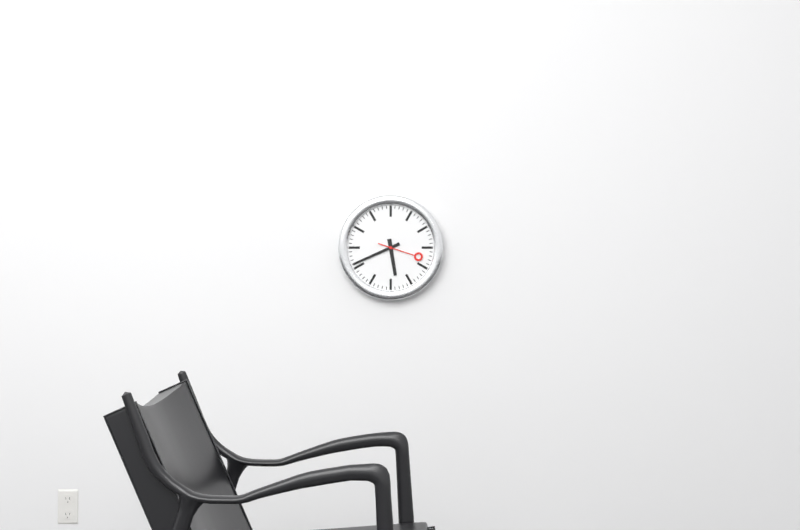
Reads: 5,41
